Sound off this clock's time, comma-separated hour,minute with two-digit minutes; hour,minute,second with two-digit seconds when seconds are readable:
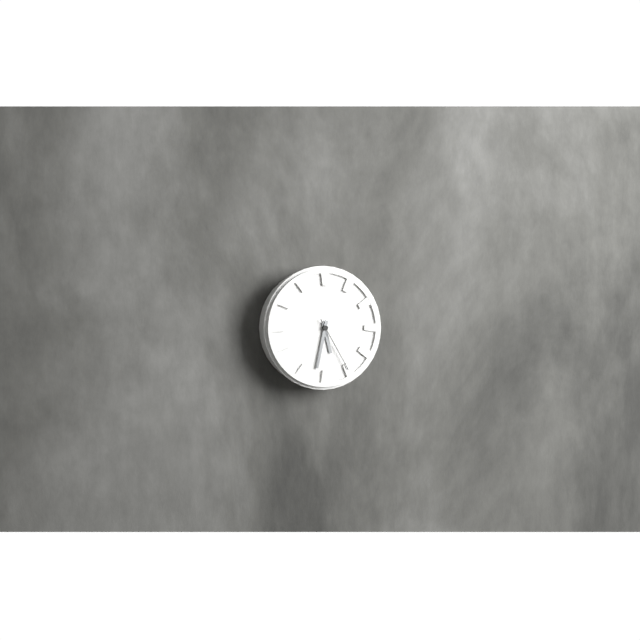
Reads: 5,32,25
